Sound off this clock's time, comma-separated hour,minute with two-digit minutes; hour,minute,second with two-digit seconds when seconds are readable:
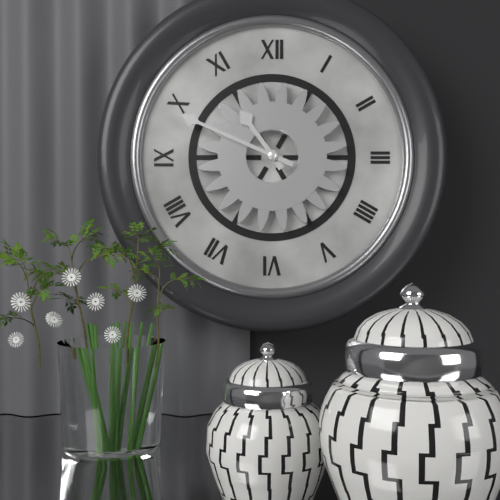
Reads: 10,49
